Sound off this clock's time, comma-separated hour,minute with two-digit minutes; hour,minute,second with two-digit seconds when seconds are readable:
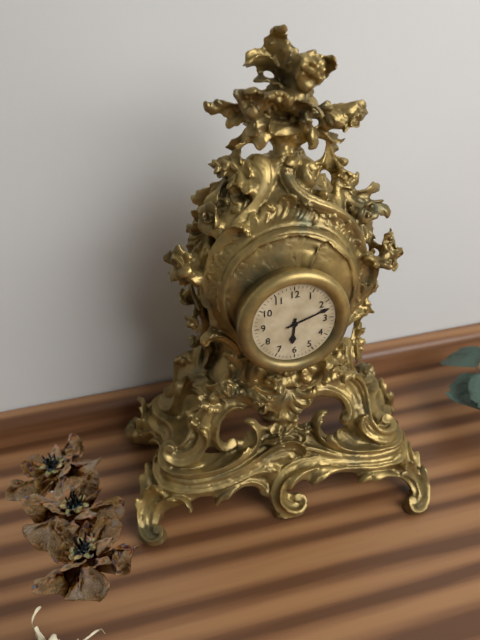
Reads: 6,12
